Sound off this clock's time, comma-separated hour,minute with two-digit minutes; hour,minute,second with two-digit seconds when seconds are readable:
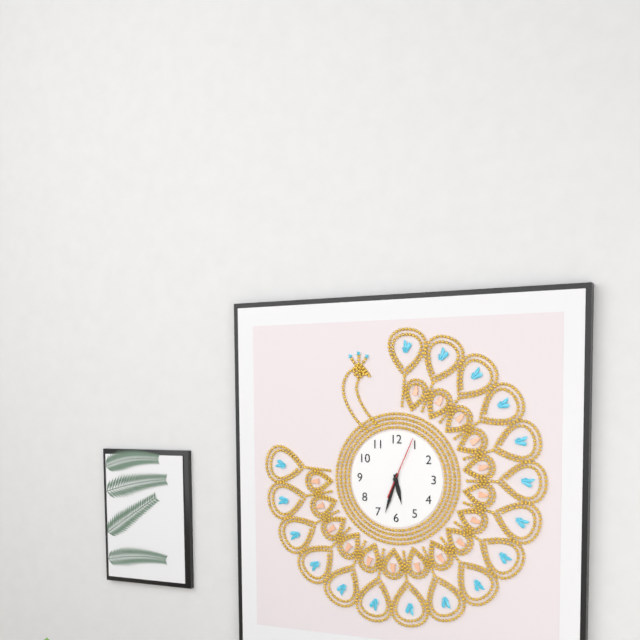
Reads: 5,33,04
